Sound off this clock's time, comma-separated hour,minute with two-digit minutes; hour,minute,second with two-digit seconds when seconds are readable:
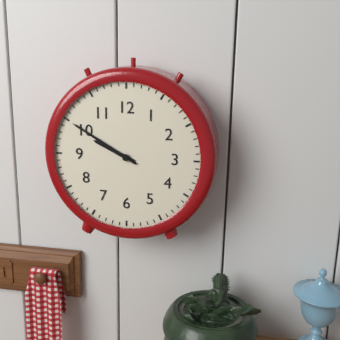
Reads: 9,50
